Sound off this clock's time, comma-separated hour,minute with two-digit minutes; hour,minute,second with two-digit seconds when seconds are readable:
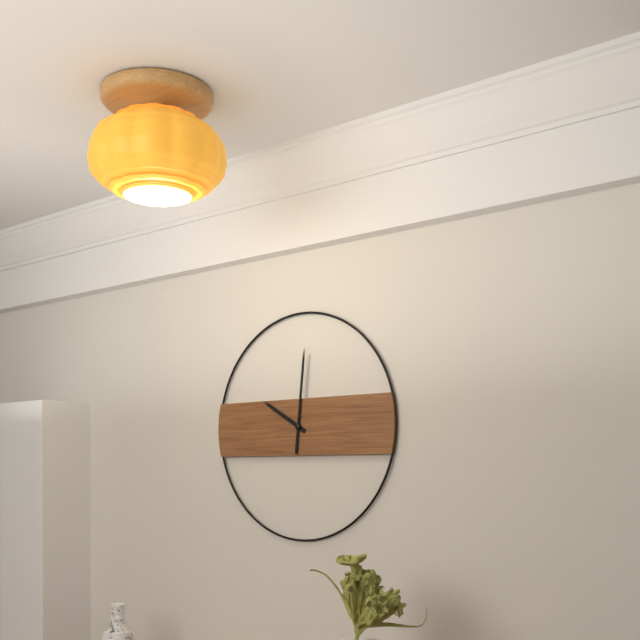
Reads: 10,01
